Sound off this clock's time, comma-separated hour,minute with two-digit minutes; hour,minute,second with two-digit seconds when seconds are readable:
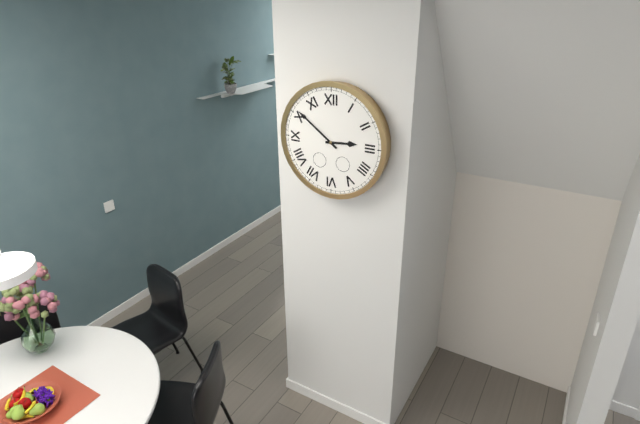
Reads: 2,51
